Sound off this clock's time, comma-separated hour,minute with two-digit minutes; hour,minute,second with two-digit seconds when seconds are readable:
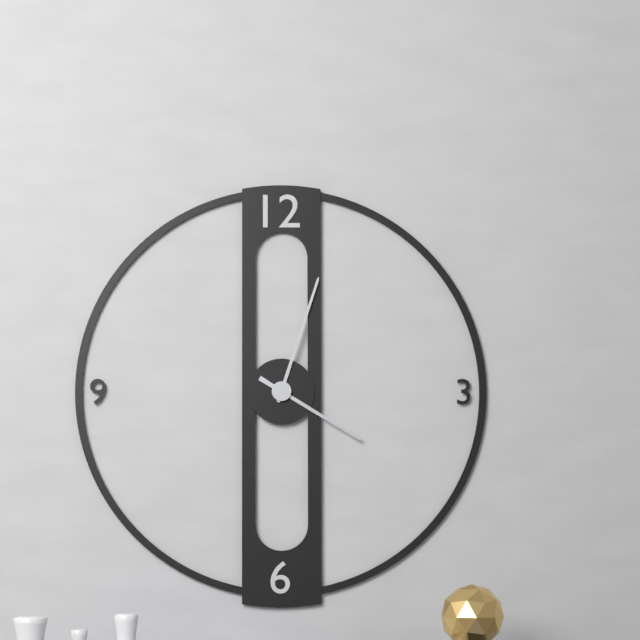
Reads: 4,03
